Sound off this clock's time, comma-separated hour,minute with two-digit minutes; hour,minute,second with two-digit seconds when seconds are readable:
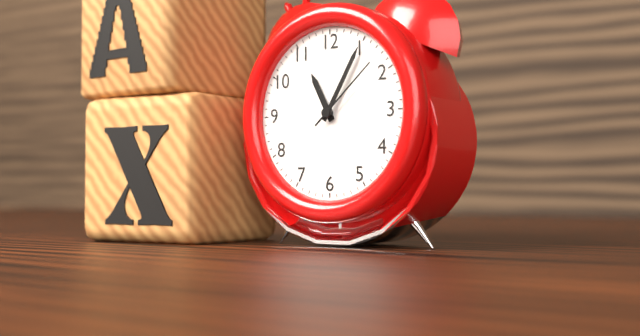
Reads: 11,05,08
